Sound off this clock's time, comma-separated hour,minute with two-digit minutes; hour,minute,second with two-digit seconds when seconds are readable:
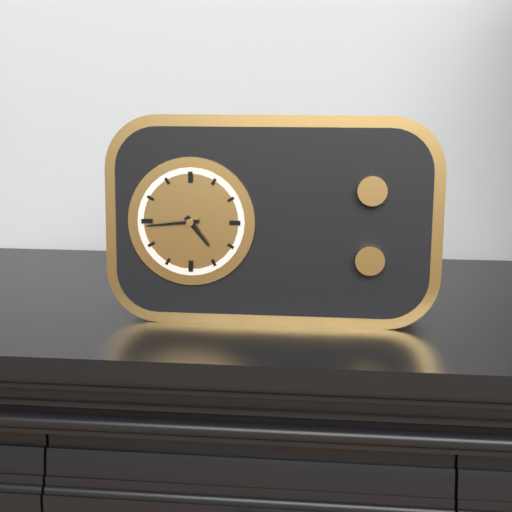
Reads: 4,44
